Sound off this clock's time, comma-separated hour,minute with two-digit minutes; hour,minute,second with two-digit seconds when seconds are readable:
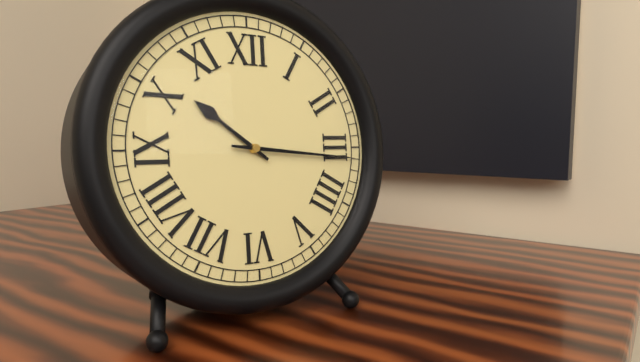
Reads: 10,16
